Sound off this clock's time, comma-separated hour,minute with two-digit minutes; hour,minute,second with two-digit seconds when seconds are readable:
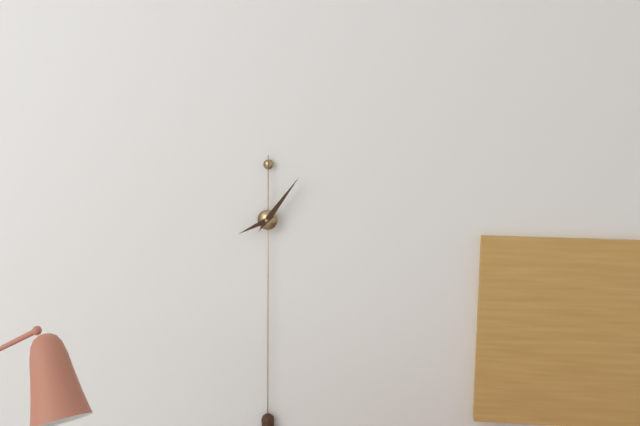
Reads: 8,06
